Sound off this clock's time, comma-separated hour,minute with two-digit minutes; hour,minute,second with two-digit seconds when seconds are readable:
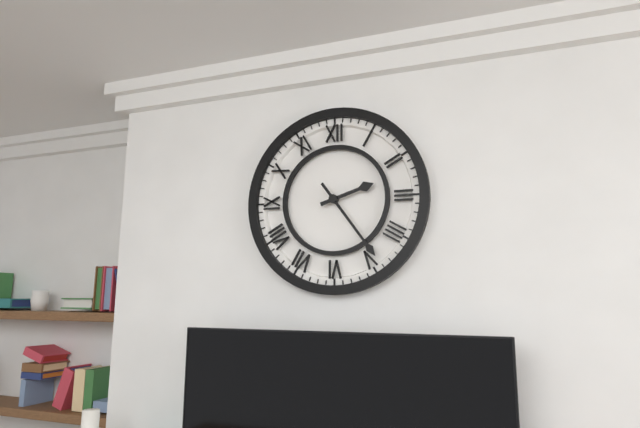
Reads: 2,24
